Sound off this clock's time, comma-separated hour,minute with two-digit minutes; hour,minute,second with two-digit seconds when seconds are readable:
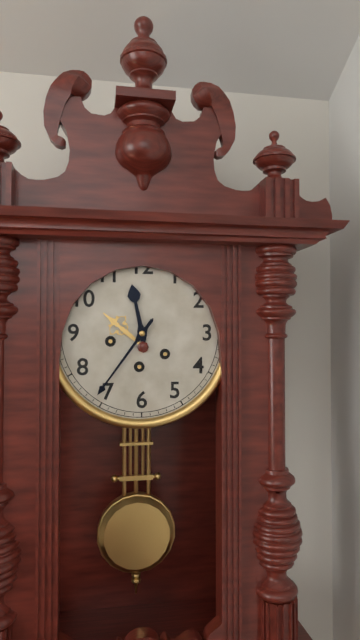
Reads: 11,36
